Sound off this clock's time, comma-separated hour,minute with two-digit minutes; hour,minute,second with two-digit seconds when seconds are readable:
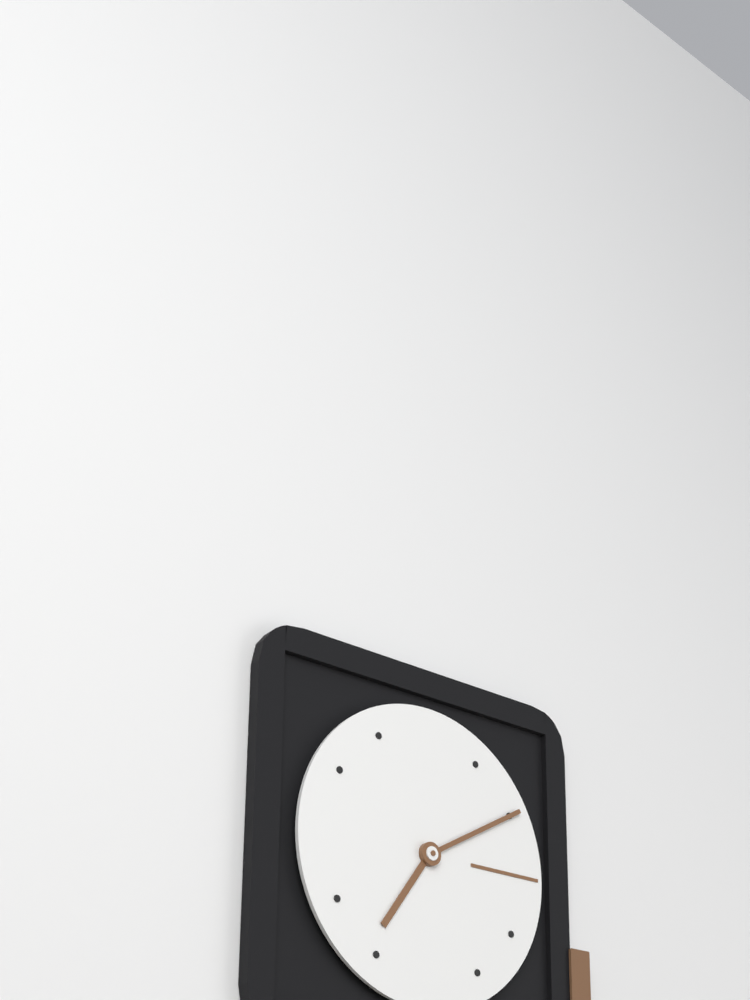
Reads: 7,10
